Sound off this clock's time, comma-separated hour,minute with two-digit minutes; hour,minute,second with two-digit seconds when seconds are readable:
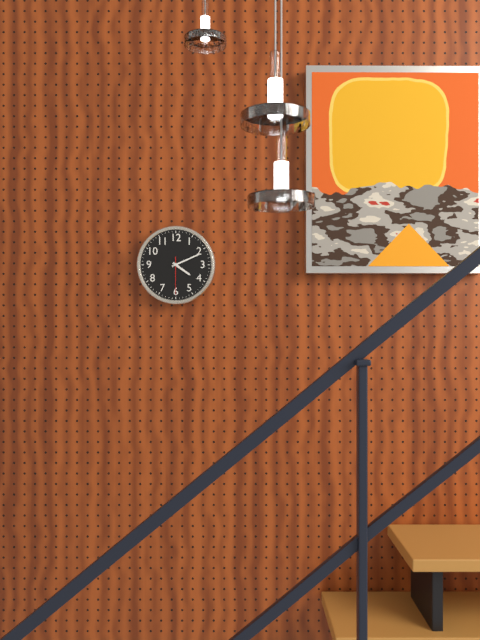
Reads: 4,11
